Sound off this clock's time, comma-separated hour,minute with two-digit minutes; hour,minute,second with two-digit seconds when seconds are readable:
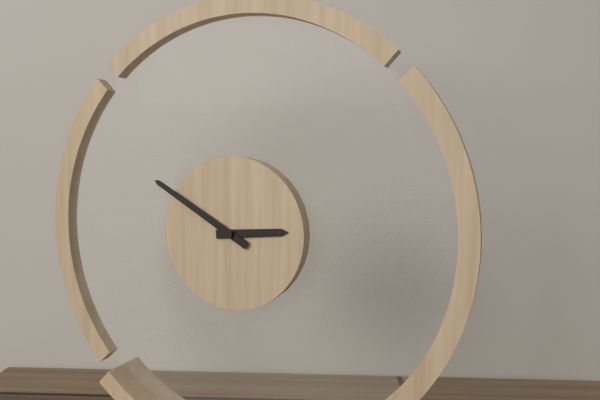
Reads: 2,50
